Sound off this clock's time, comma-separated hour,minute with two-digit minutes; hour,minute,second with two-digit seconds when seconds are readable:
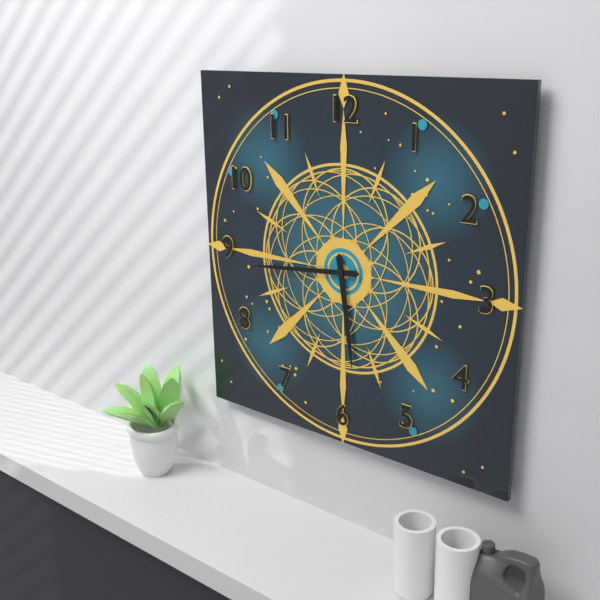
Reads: 5,44
